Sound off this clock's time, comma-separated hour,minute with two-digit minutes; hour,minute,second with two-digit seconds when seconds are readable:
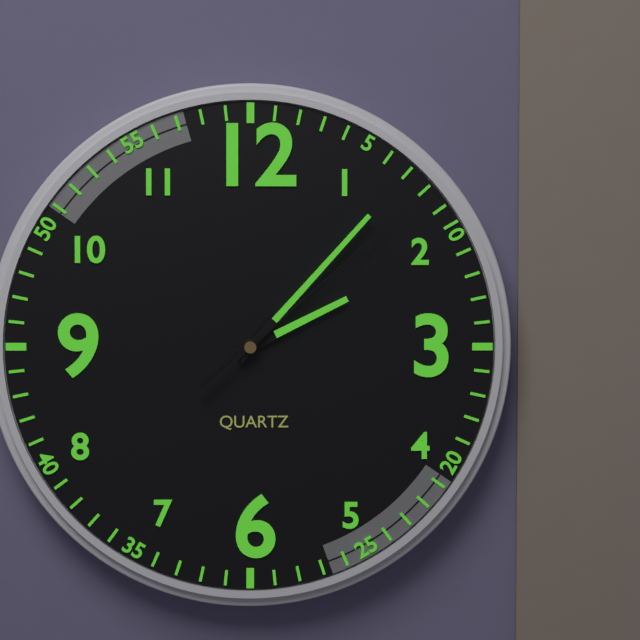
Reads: 2,07,08
